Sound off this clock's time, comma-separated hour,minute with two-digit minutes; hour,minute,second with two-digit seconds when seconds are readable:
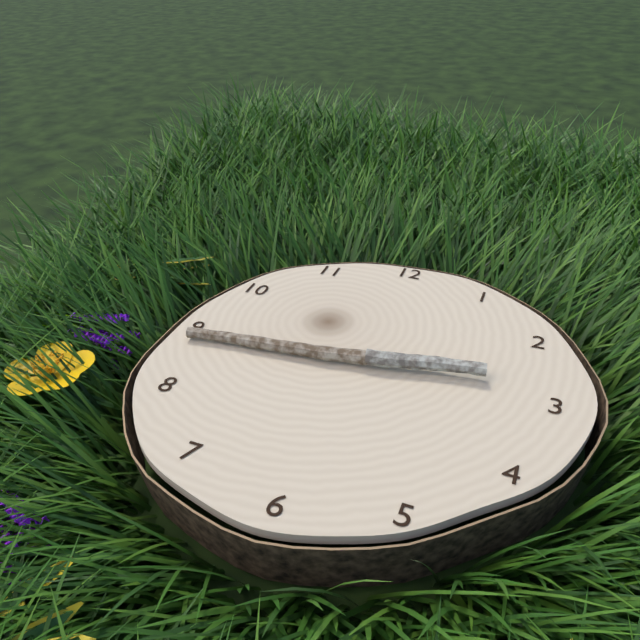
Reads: 2,44
